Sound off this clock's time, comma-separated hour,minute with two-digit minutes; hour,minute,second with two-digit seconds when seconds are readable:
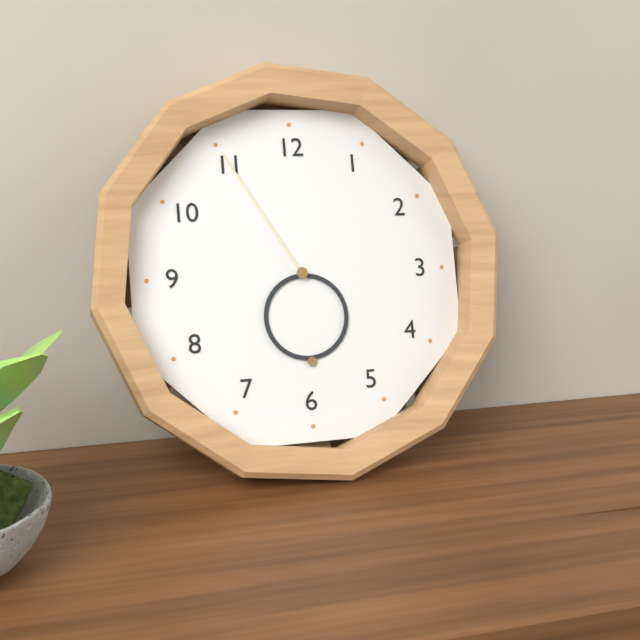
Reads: 5,55
